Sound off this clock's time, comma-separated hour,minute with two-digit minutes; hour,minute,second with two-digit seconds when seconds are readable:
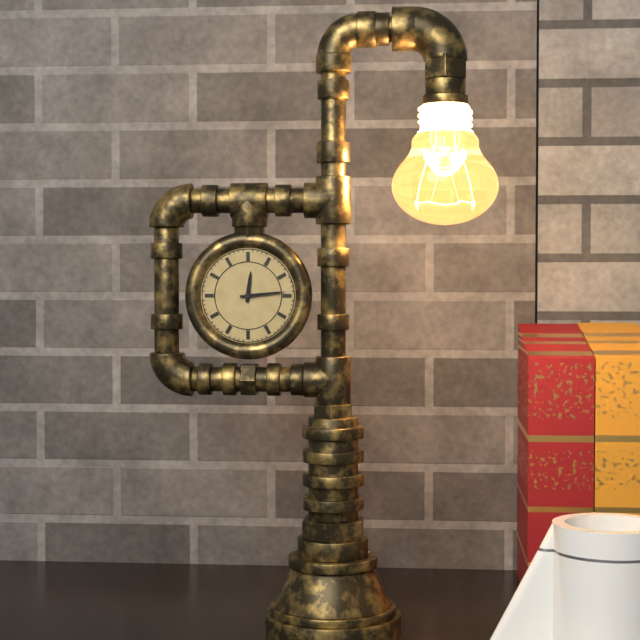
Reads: 12,14
